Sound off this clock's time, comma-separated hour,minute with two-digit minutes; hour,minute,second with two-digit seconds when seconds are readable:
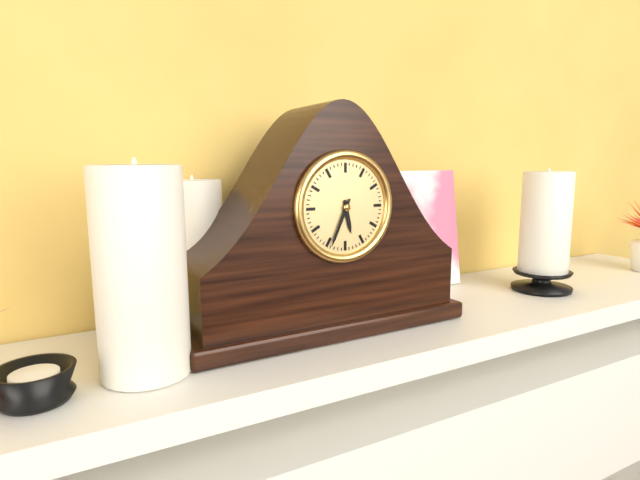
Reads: 5,34
